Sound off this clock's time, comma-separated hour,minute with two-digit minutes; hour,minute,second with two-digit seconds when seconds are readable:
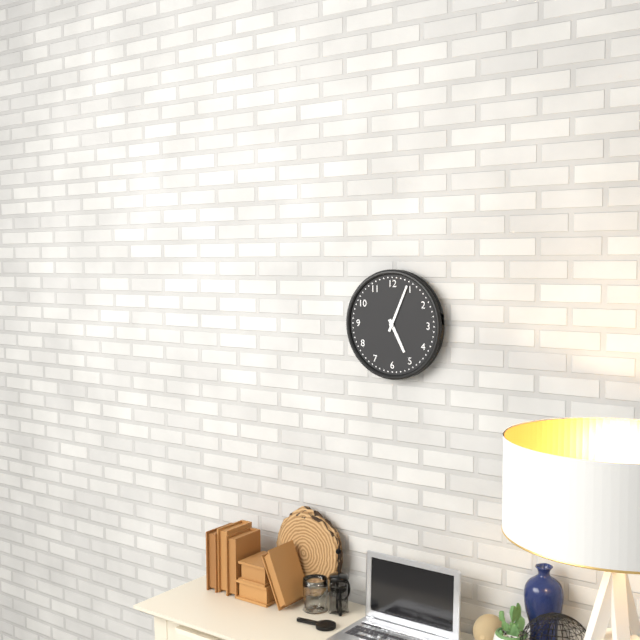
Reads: 5,04
